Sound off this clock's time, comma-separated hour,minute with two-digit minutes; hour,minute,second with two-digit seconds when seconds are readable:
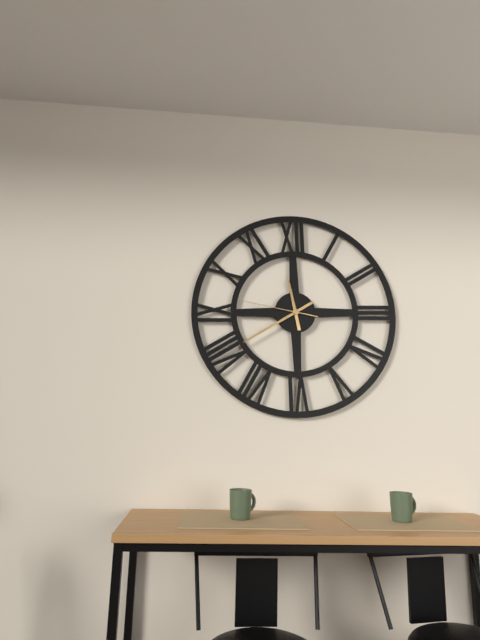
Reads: 11,40,47
